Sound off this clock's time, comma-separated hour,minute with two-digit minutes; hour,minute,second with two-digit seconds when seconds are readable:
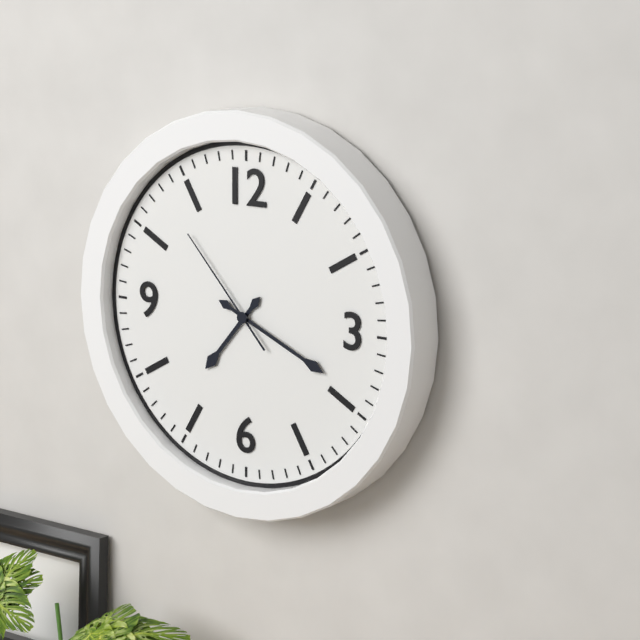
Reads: 7,19,53
